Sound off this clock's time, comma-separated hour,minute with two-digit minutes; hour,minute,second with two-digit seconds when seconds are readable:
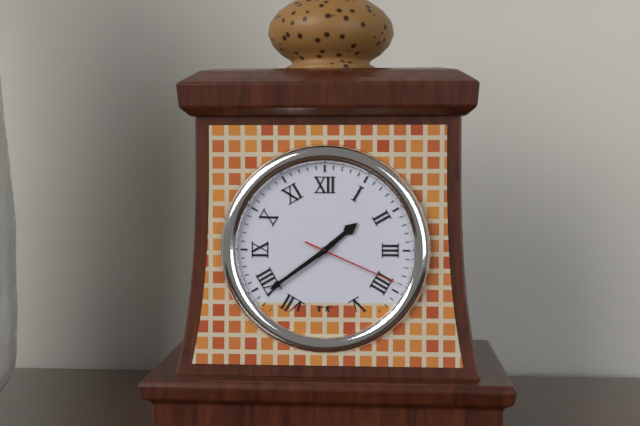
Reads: 1,39,19
